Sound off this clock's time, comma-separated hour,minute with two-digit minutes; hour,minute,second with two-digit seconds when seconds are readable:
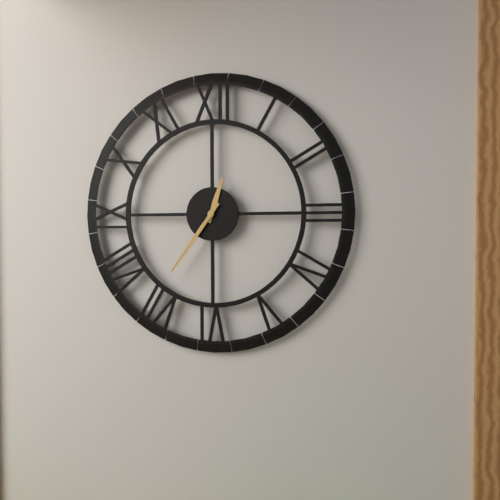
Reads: 12,36
